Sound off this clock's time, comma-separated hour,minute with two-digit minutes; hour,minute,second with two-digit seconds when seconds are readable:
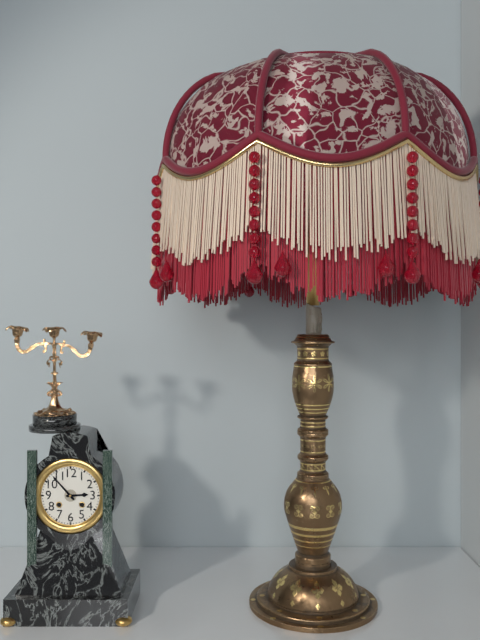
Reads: 2,53
